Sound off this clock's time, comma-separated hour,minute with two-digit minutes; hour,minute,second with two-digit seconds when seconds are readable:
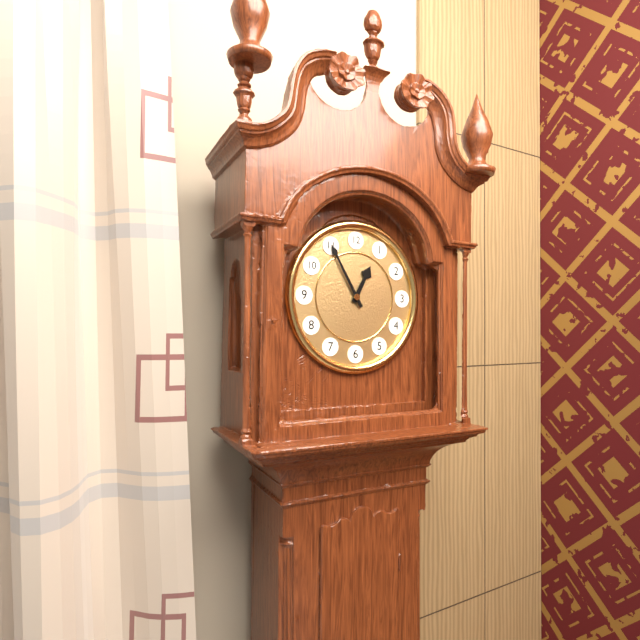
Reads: 12,55
